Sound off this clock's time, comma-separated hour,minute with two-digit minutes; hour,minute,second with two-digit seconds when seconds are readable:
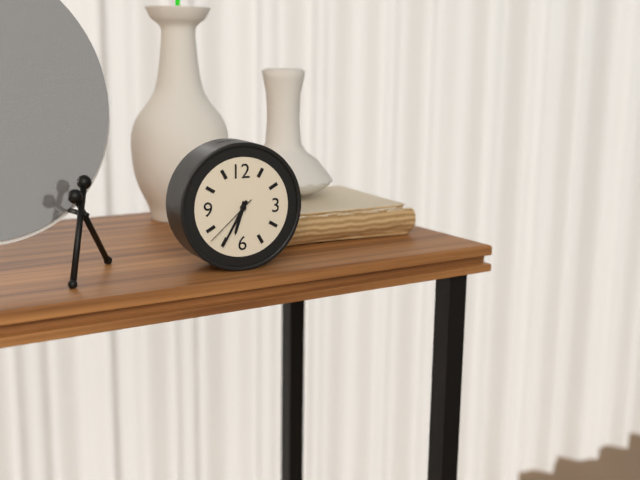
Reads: 6,35,38
